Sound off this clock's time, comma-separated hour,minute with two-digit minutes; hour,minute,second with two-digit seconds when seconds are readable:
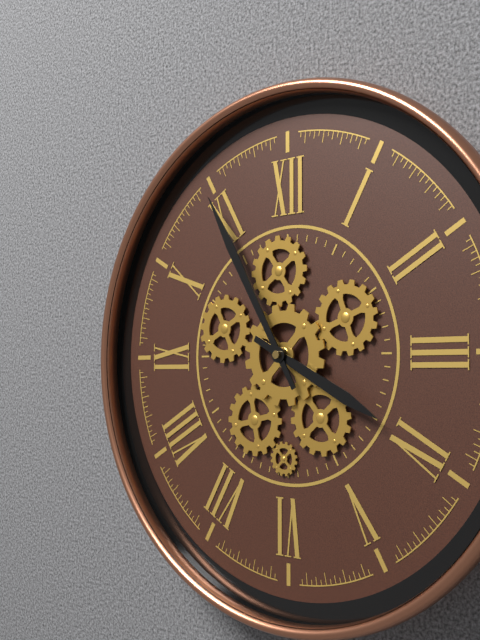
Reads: 3,55
